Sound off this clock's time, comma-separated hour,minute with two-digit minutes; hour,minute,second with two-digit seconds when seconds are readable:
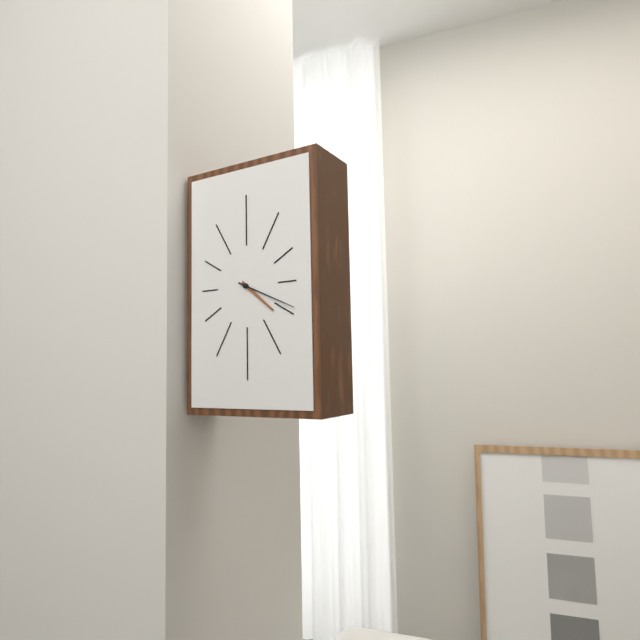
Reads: 4,19
